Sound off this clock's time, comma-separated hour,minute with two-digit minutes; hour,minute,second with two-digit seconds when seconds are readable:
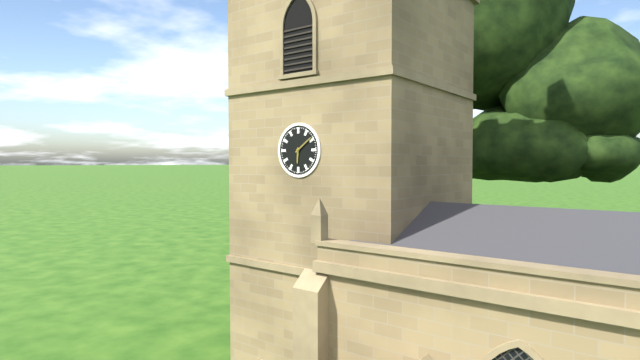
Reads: 6,09
